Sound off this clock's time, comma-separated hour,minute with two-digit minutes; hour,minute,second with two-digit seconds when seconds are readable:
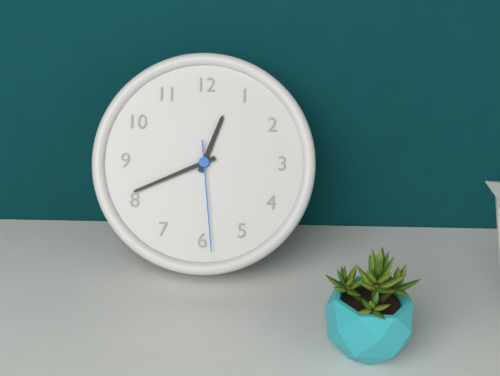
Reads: 12,41,29
